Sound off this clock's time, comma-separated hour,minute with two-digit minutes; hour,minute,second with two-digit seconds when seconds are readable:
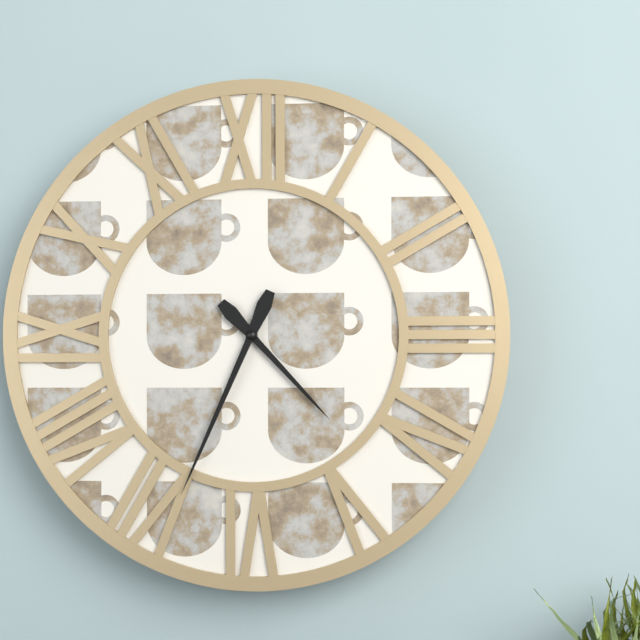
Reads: 4,34
